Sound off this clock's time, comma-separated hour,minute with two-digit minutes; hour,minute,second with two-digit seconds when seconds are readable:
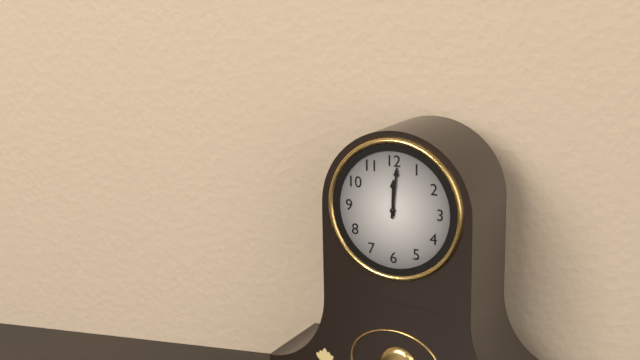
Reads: 12,01
